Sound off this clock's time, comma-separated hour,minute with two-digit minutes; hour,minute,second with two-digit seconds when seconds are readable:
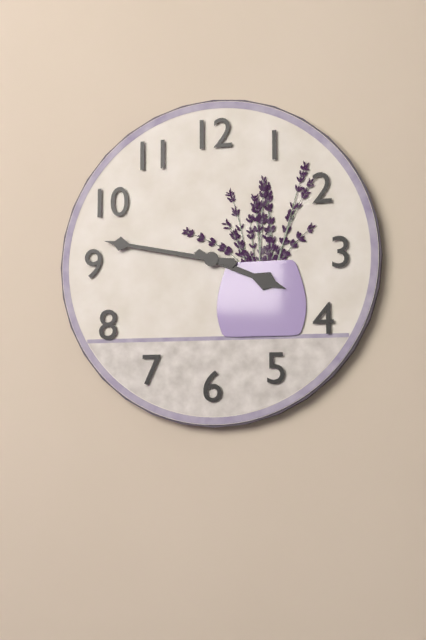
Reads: 3,47
